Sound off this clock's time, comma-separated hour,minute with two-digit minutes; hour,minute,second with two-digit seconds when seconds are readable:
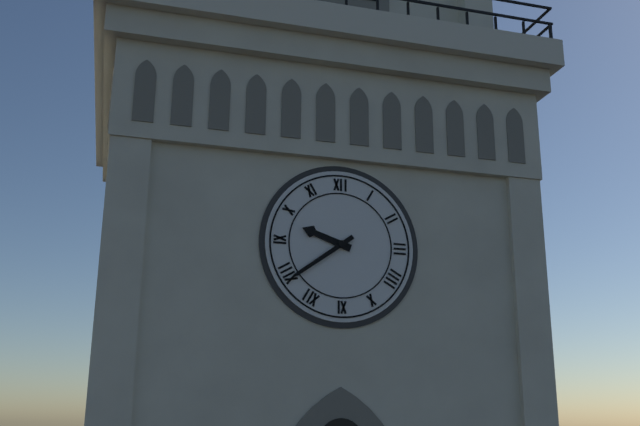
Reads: 9,39
